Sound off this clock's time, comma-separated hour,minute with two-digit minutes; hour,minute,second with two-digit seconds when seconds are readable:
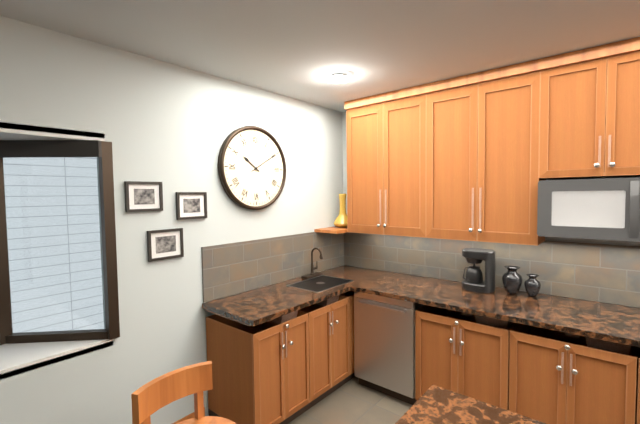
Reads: 10,10
